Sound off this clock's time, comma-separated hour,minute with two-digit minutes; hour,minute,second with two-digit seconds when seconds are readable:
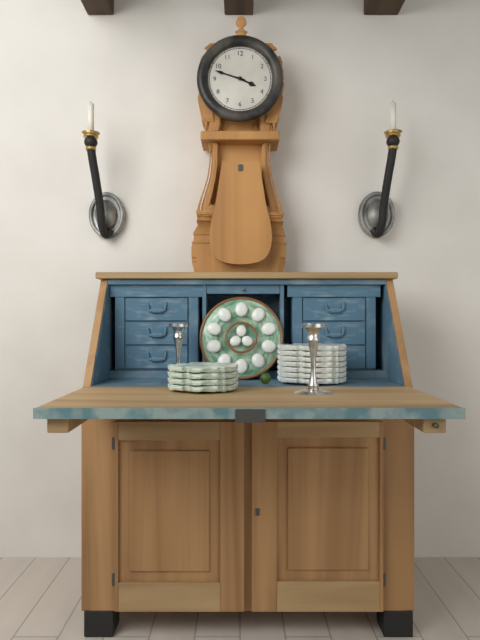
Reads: 3,48
